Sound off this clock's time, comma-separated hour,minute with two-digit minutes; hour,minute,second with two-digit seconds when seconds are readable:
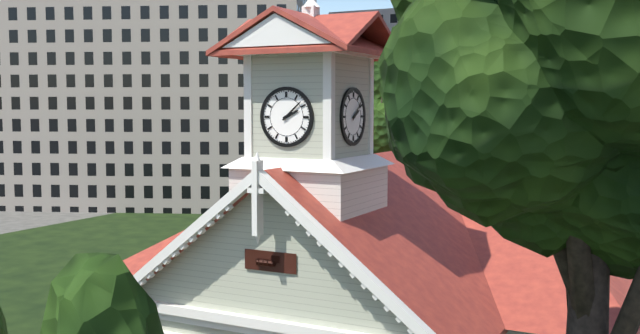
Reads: 2,08
